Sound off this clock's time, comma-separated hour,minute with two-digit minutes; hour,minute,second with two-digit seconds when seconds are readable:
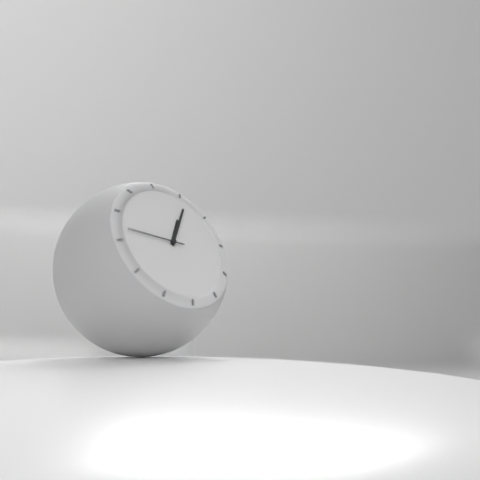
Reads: 1,06,47
